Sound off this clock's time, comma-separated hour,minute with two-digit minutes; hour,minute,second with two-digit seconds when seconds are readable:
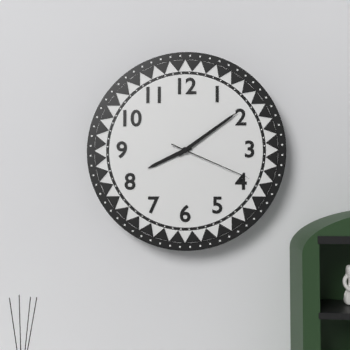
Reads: 8,09,19
